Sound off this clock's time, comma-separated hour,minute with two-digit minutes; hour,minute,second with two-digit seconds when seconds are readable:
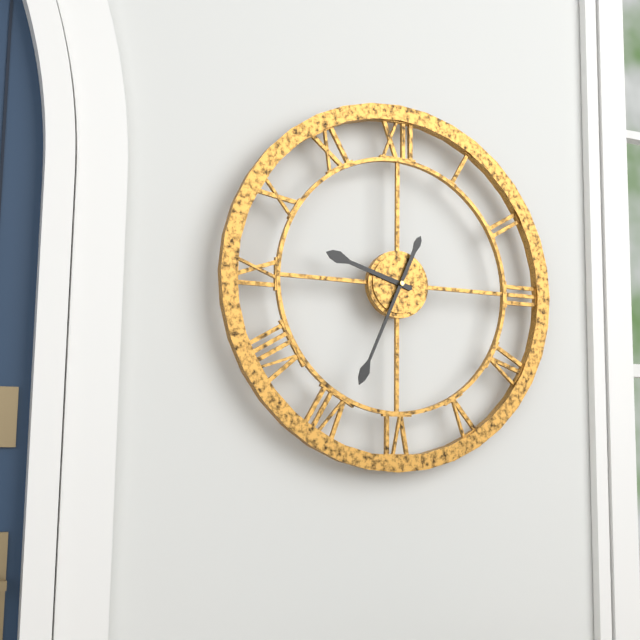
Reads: 9,34
